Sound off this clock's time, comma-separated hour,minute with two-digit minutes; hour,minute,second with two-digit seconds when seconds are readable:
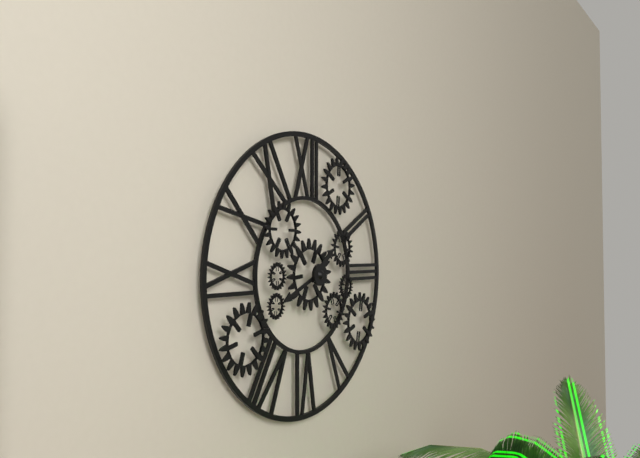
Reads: 1,41
